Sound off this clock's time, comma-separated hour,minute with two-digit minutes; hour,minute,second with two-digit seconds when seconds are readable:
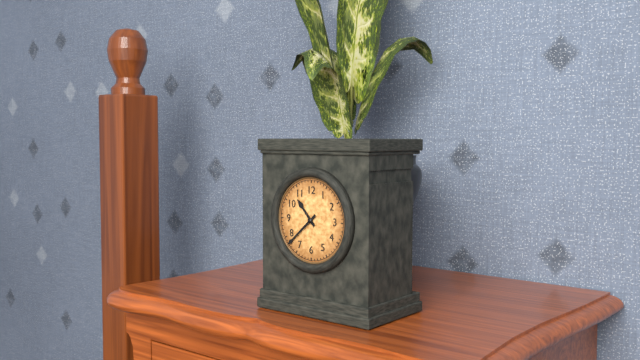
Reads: 10,38
